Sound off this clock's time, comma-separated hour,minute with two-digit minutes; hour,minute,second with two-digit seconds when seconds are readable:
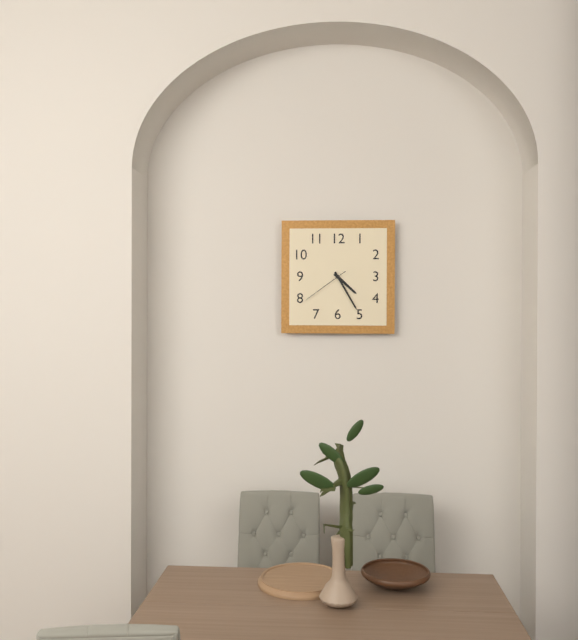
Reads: 4,25,39
